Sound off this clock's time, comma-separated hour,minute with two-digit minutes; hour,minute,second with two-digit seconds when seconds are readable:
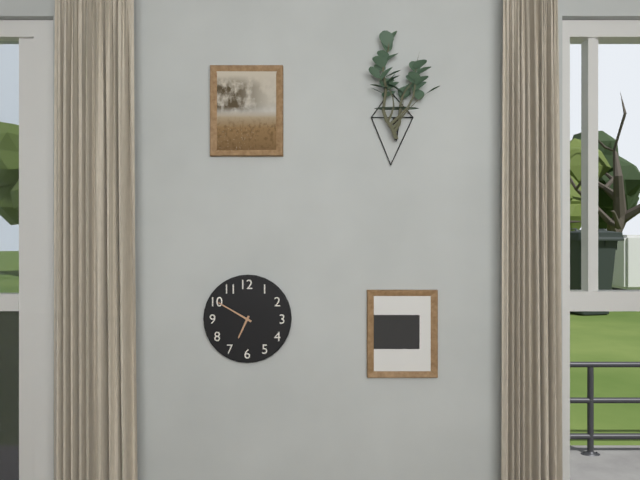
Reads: 6,50
